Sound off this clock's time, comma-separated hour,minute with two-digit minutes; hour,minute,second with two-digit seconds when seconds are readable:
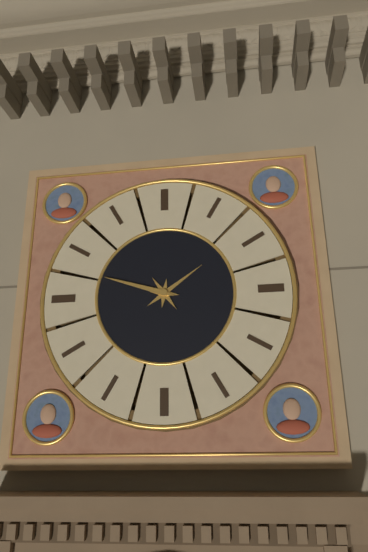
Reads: 1,48
